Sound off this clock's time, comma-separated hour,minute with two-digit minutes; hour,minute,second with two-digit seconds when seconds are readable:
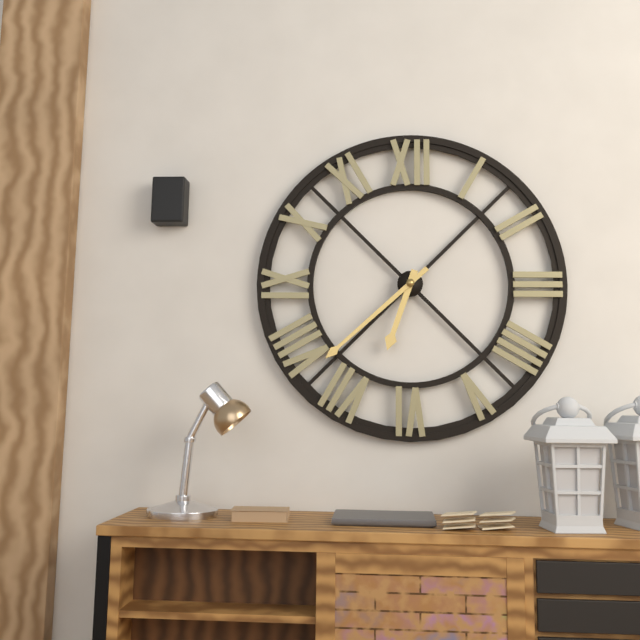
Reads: 6,38
